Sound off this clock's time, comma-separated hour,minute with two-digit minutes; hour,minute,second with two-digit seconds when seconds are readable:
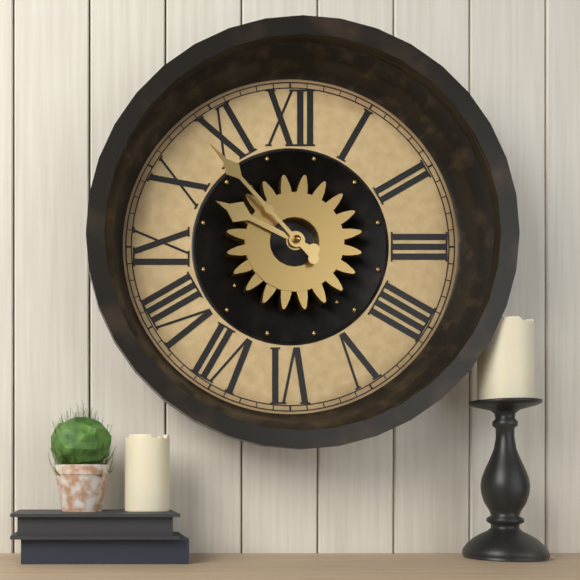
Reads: 9,53
